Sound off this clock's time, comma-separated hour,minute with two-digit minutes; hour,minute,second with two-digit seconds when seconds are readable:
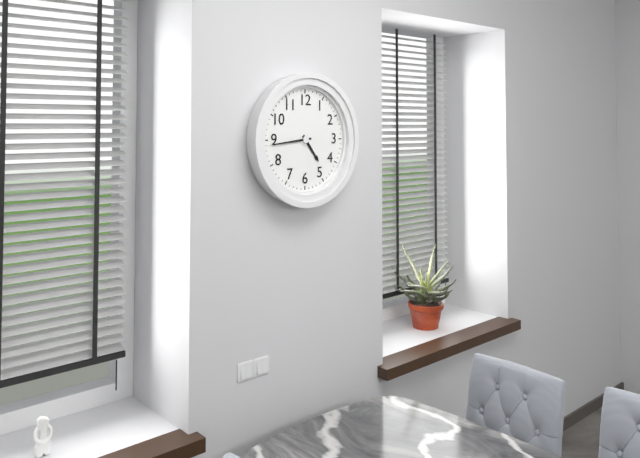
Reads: 4,44
